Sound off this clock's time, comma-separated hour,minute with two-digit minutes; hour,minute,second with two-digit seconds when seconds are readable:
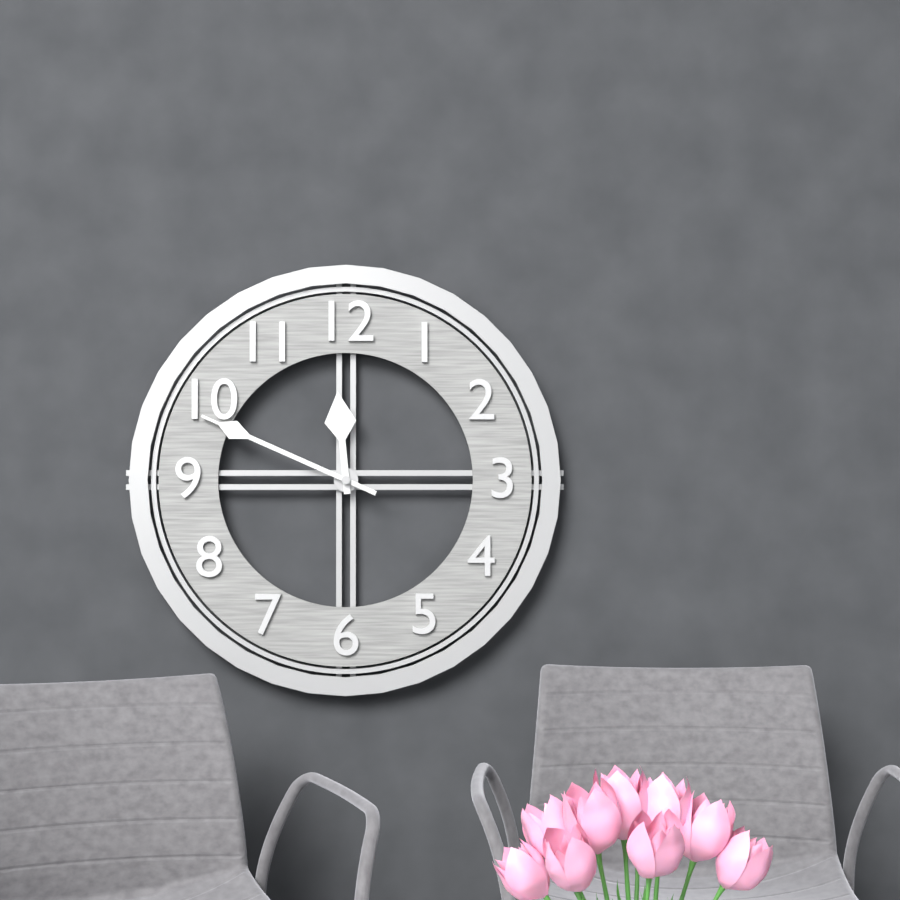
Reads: 11,49
